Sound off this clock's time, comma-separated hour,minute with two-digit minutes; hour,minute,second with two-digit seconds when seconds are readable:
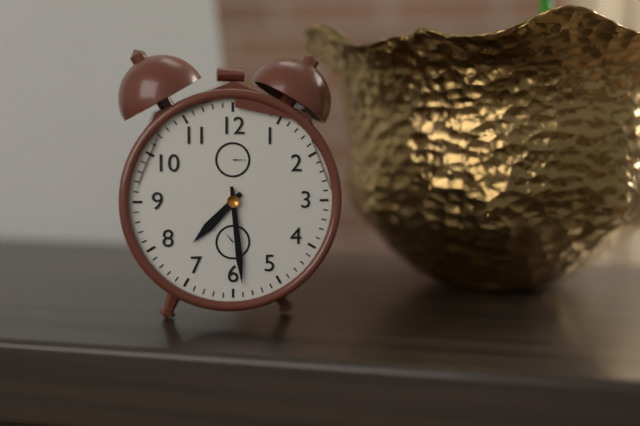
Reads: 7,29
